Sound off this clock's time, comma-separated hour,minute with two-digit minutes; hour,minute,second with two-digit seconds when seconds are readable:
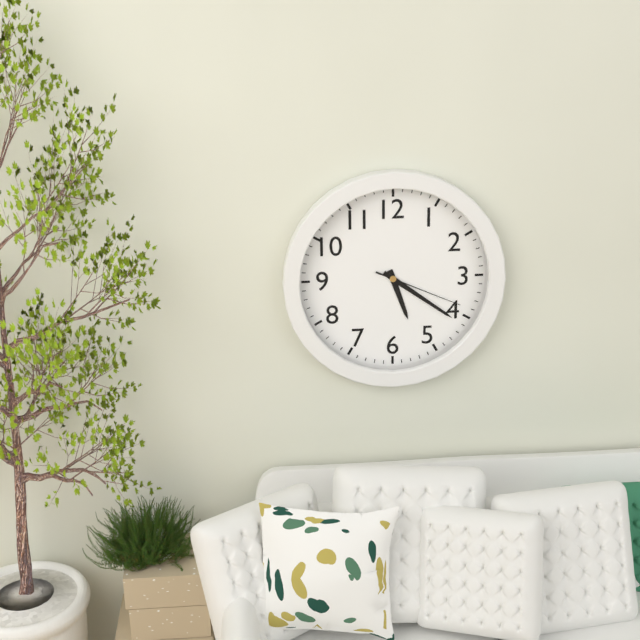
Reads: 5,21,19
